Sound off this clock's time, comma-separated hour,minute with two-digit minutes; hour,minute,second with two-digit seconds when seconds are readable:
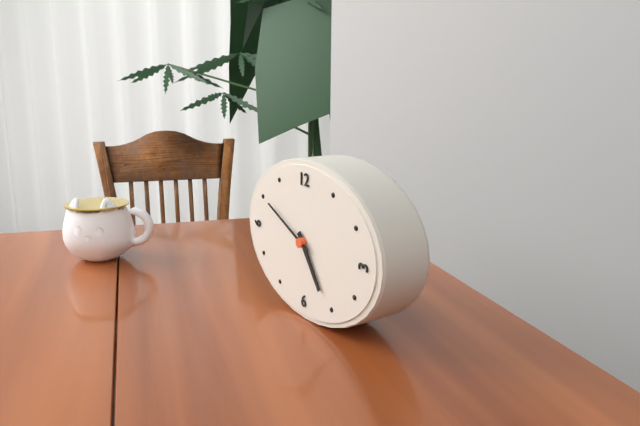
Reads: 4,49
